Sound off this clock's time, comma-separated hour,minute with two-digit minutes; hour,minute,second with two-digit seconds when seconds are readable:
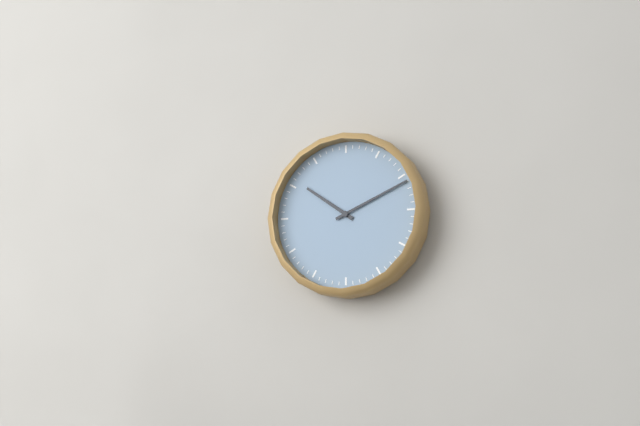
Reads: 10,11
